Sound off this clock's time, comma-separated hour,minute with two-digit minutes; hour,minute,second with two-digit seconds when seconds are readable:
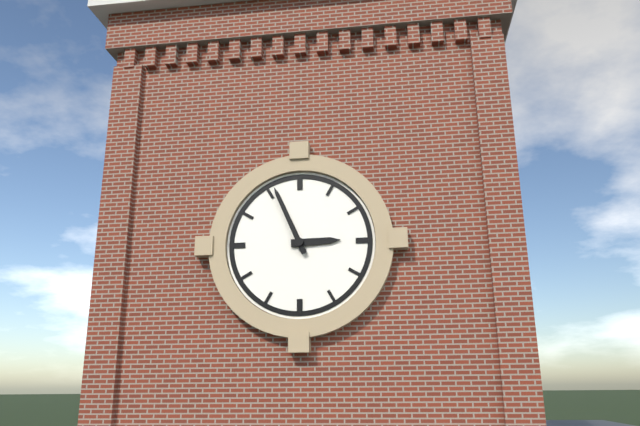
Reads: 2,56
